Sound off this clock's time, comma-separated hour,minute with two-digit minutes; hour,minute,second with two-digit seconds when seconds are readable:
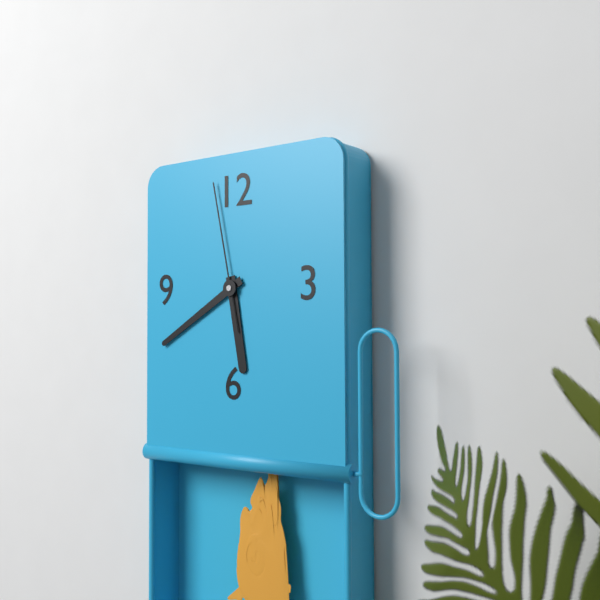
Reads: 5,40,58
